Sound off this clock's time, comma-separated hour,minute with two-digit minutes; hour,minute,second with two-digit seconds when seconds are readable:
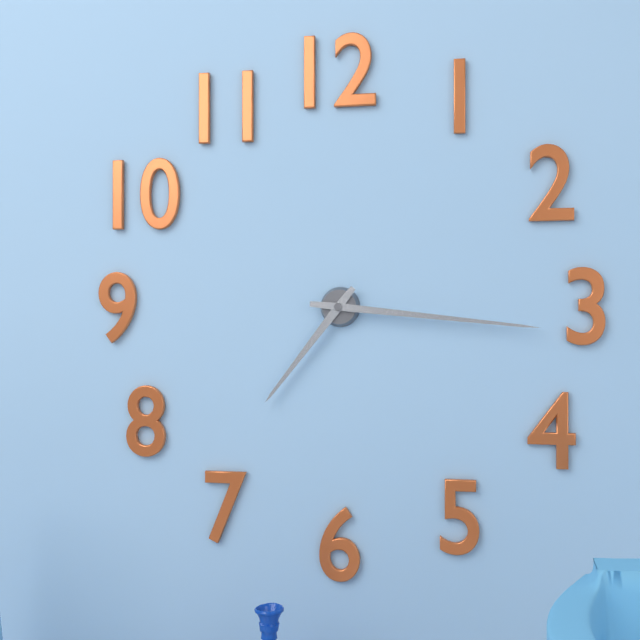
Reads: 7,16
